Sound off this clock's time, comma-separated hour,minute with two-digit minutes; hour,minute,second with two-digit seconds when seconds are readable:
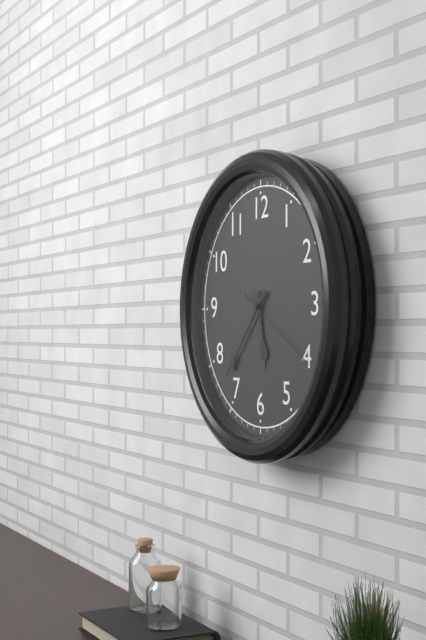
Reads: 5,37,20
